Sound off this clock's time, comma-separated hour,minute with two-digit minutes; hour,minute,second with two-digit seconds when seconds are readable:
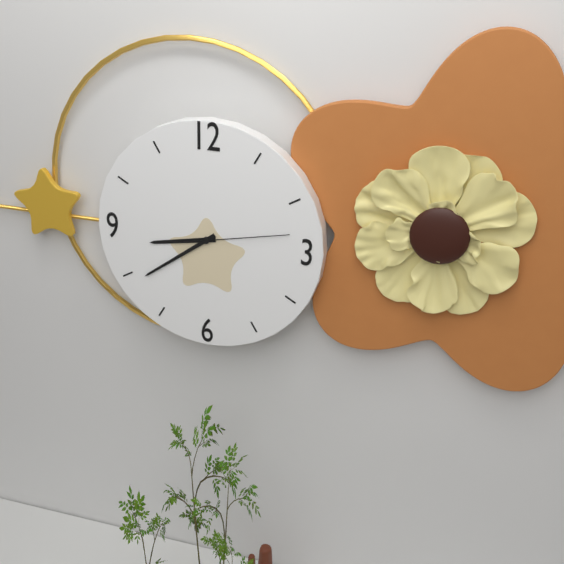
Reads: 8,39,13
